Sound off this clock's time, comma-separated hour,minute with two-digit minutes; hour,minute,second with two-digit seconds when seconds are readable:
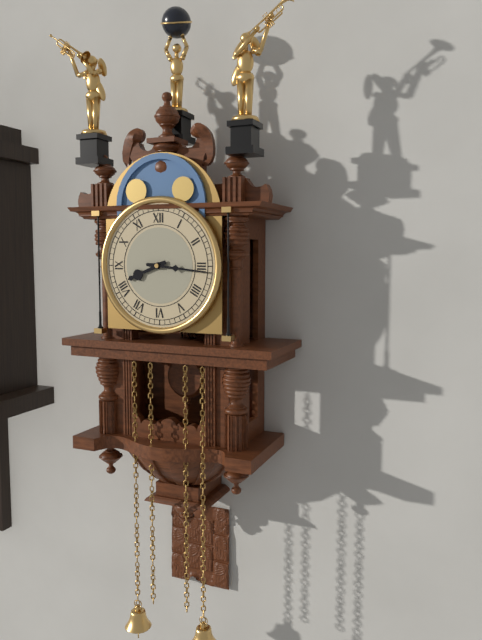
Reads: 8,16
